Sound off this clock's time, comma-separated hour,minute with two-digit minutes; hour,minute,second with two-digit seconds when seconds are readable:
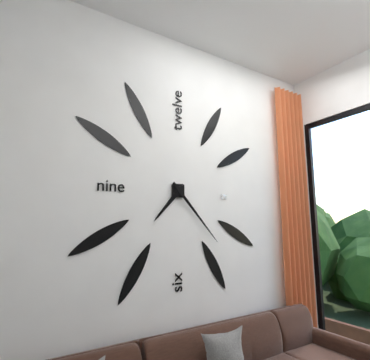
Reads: 7,23
